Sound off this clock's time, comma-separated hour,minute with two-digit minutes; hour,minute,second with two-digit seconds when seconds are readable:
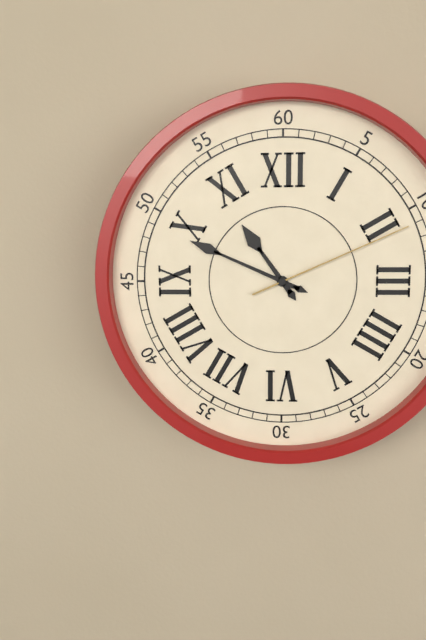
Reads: 10,49,11
